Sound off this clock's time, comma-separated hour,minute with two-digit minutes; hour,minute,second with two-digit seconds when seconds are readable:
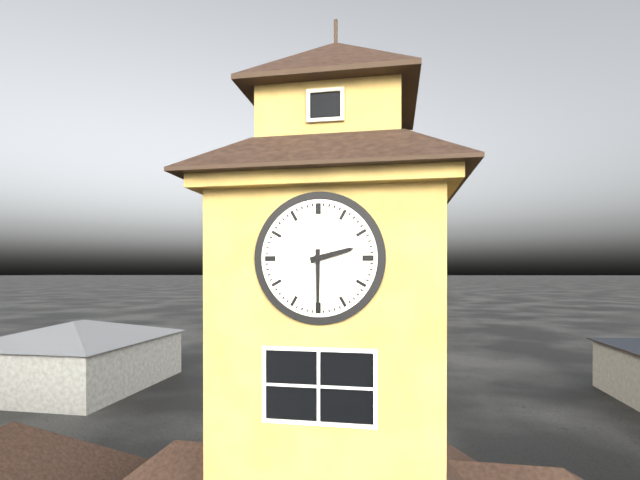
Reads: 2,30
